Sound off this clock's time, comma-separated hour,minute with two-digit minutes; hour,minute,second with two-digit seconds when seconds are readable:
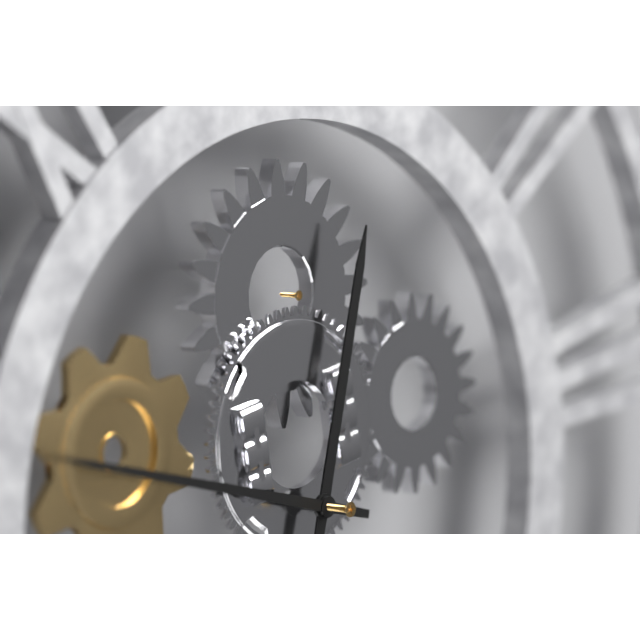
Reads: 12,49
